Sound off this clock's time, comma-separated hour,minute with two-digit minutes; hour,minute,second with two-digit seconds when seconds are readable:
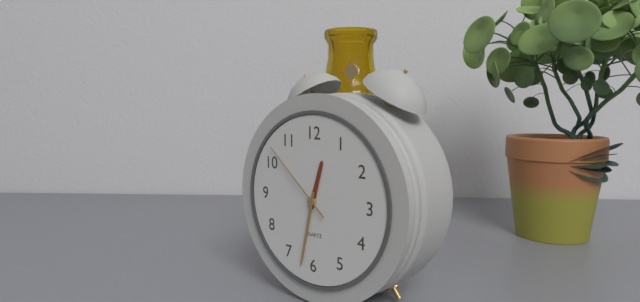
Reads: 12,32,52
